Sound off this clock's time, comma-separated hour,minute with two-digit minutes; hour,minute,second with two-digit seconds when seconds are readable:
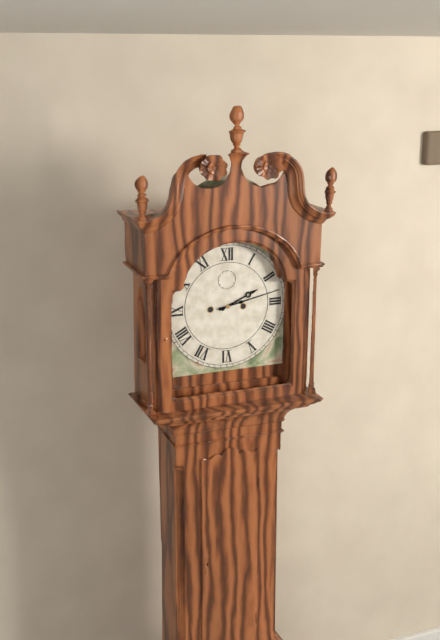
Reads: 2,13
